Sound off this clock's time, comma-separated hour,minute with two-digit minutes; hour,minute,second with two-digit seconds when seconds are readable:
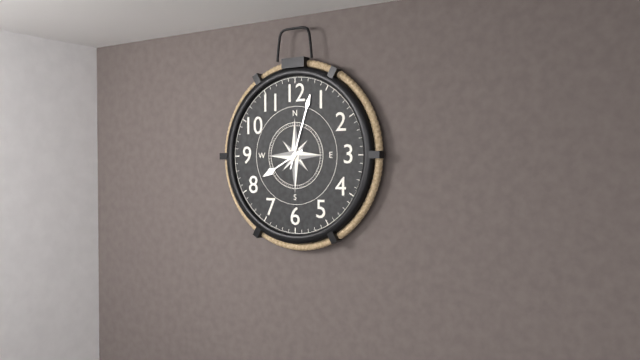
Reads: 8,03
